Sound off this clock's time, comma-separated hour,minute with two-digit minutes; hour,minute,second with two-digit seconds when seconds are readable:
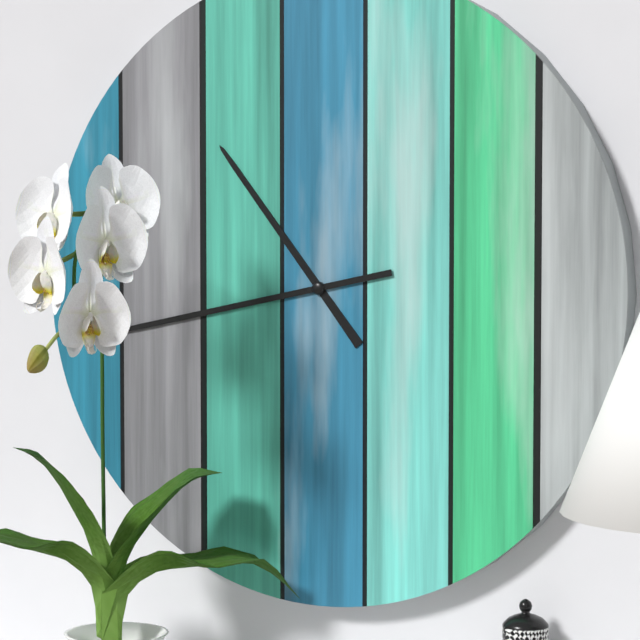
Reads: 10,43
